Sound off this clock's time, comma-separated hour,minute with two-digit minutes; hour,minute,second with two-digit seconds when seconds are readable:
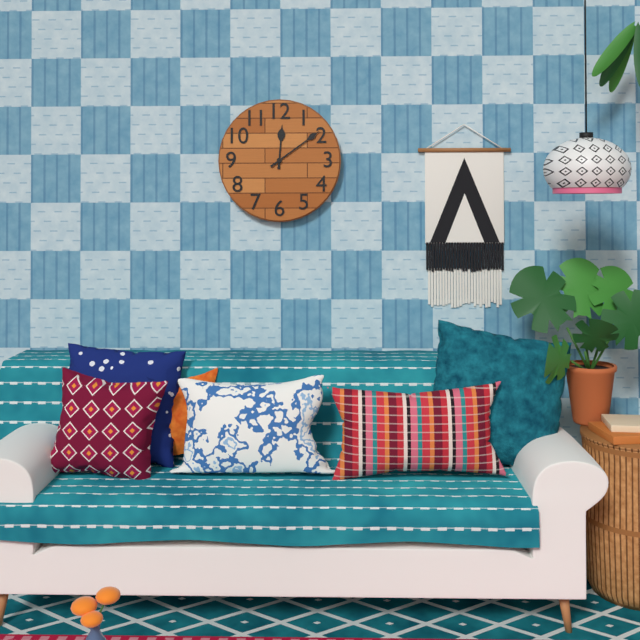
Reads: 12,09
